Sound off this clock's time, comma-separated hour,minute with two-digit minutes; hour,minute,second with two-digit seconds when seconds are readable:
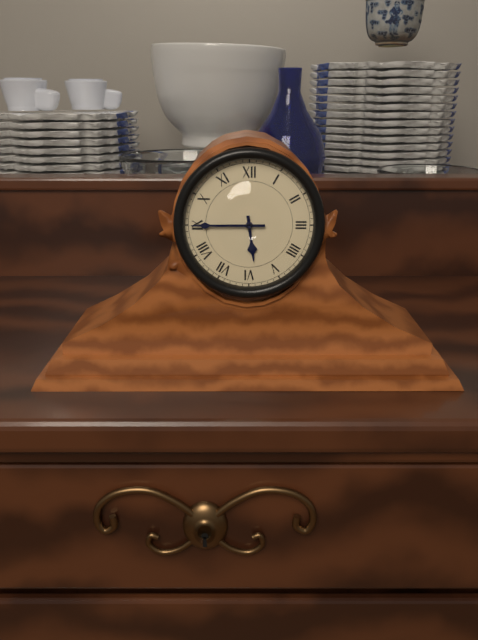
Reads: 5,45
